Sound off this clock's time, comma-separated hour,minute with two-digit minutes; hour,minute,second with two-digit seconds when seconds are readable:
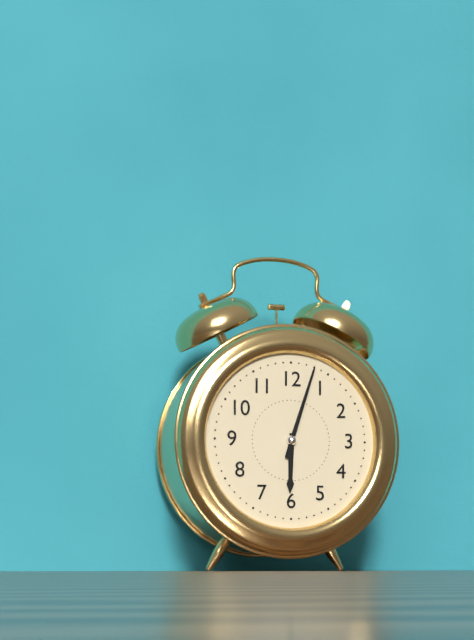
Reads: 6,03
